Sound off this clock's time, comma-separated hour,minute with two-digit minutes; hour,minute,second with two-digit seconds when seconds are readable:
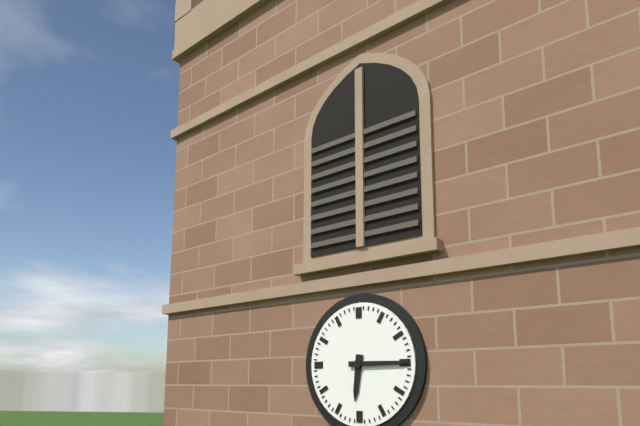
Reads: 6,15
